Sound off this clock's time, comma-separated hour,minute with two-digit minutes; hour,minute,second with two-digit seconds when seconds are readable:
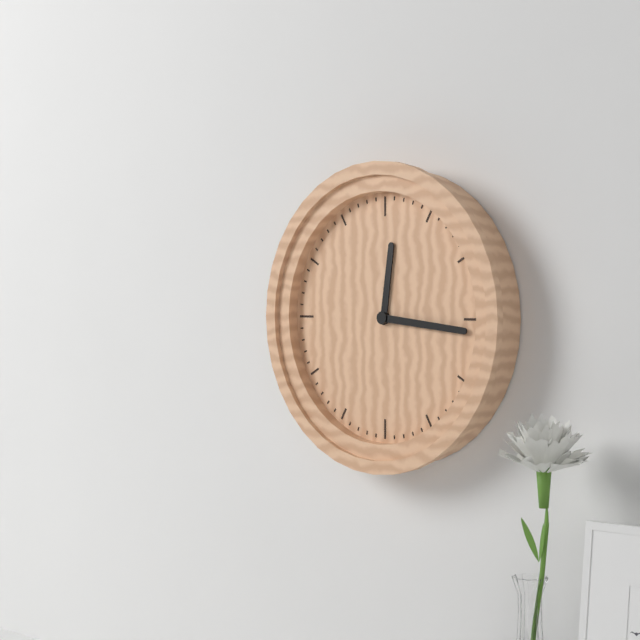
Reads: 12,16
